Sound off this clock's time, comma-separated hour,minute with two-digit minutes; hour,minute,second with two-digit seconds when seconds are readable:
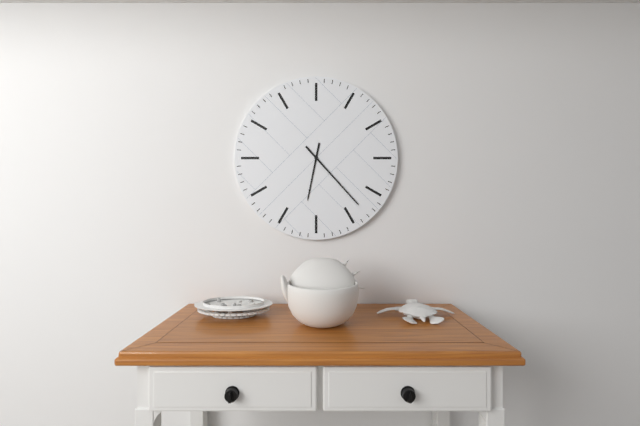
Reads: 6,23
